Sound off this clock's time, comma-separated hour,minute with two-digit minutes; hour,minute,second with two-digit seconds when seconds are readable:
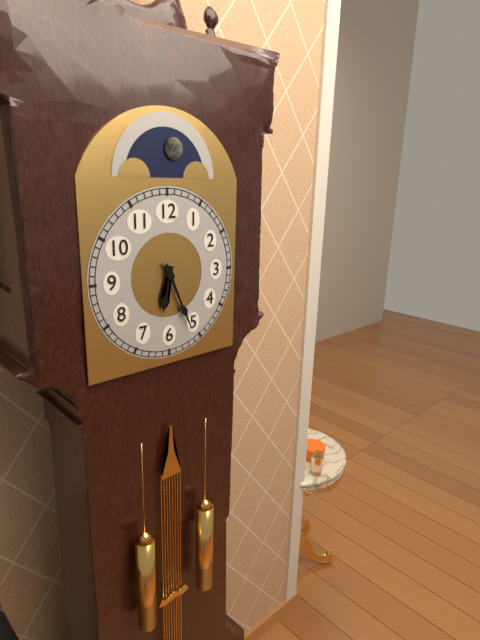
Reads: 6,26
